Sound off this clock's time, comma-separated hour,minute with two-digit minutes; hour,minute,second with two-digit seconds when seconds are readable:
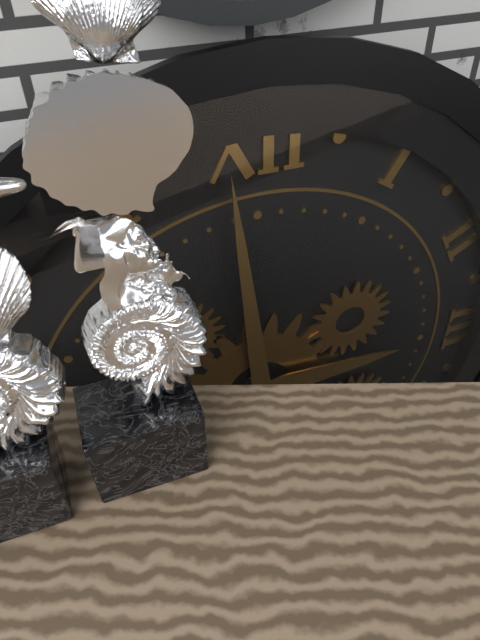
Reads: 2,59
